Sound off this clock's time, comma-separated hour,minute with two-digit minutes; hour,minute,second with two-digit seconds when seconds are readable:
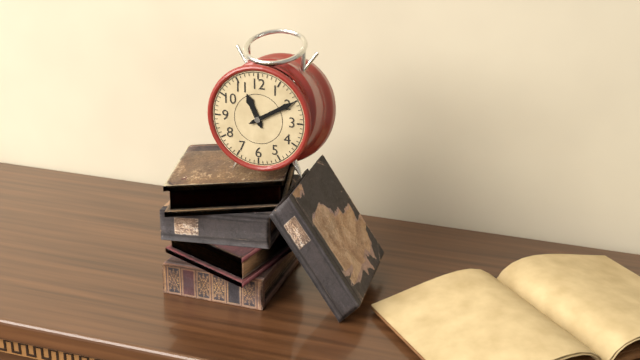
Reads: 11,10
